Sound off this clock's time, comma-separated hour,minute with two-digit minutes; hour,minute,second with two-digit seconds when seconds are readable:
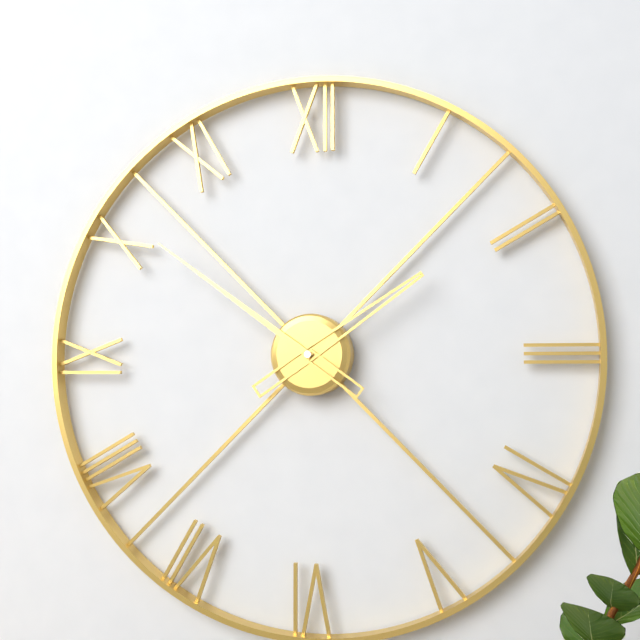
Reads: 1,51
